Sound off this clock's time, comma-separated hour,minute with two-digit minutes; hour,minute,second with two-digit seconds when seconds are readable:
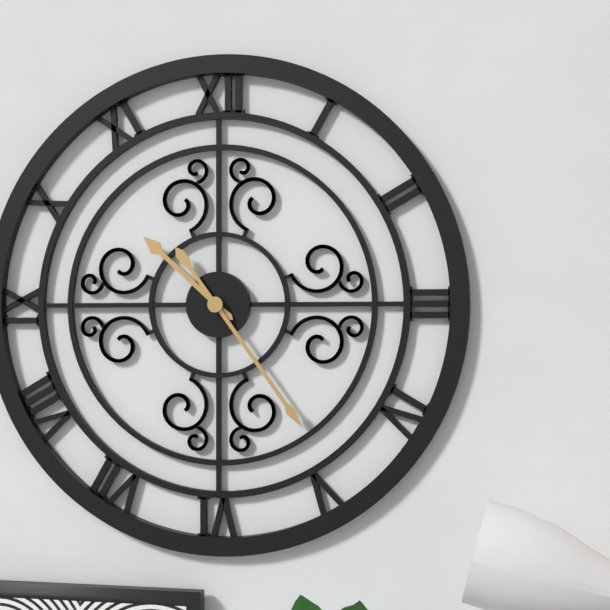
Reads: 10,24
